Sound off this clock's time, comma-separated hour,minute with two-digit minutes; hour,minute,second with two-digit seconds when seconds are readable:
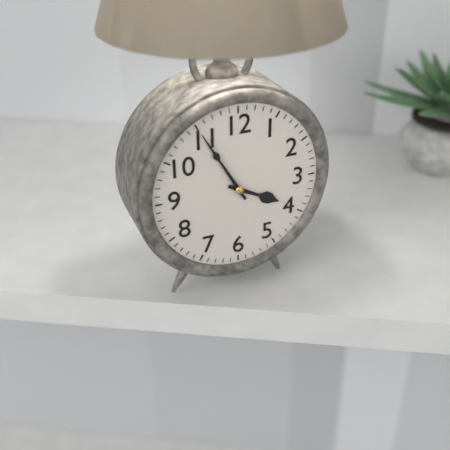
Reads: 3,55
